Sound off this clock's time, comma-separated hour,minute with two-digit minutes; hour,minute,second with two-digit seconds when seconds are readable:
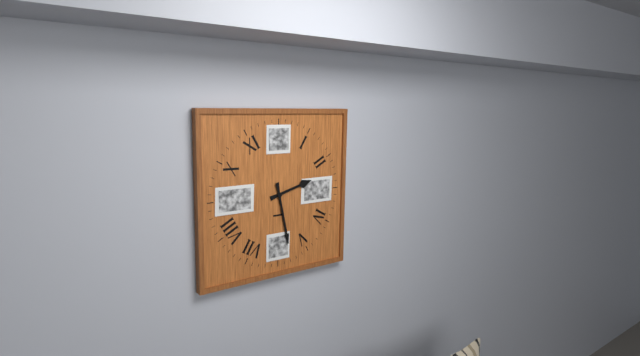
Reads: 2,28
